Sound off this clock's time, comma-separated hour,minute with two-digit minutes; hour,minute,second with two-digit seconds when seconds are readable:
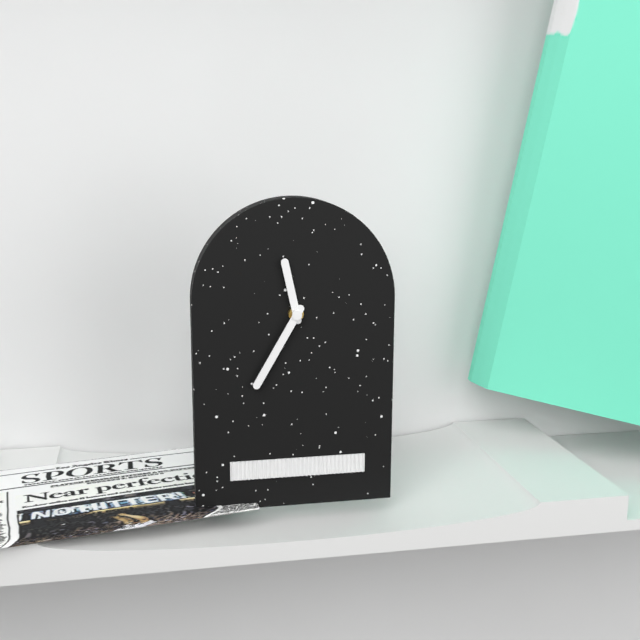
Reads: 11,35
